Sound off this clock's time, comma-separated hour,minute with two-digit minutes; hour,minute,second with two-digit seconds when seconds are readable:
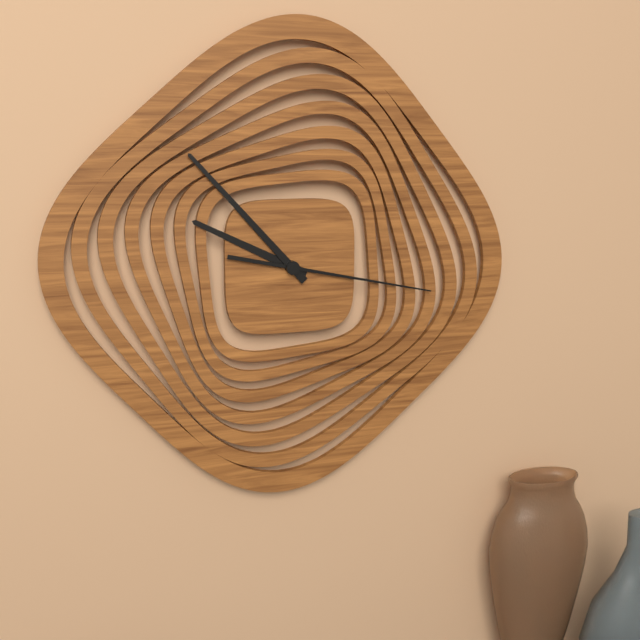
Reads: 9,53,17
